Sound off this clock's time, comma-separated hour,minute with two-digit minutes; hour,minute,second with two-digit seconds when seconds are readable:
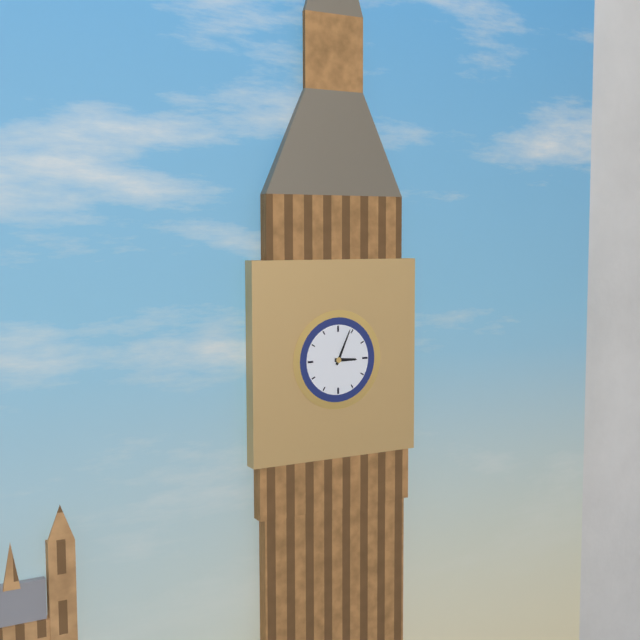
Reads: 3,04
